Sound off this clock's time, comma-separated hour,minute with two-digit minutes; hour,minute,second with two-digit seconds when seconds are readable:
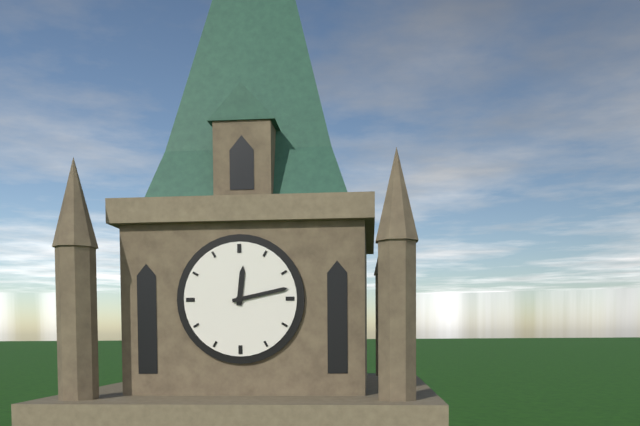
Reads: 12,13
